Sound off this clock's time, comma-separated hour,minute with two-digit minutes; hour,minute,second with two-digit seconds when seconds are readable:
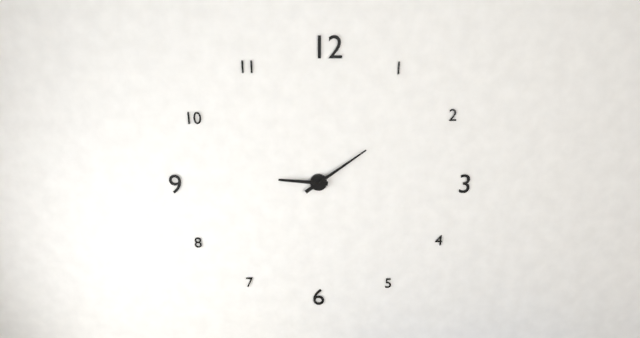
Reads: 9,09
